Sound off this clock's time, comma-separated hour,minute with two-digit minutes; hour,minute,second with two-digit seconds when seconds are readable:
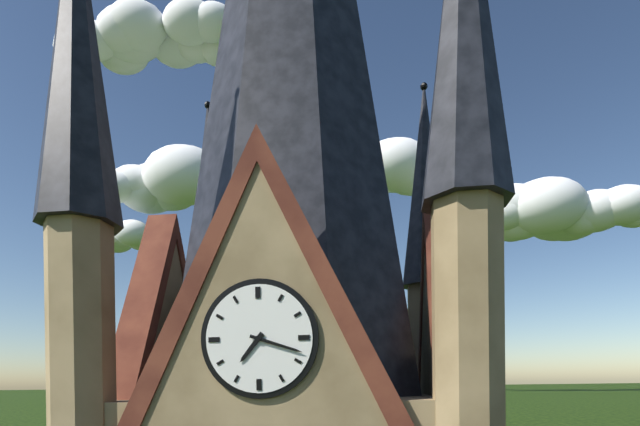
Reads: 7,18
